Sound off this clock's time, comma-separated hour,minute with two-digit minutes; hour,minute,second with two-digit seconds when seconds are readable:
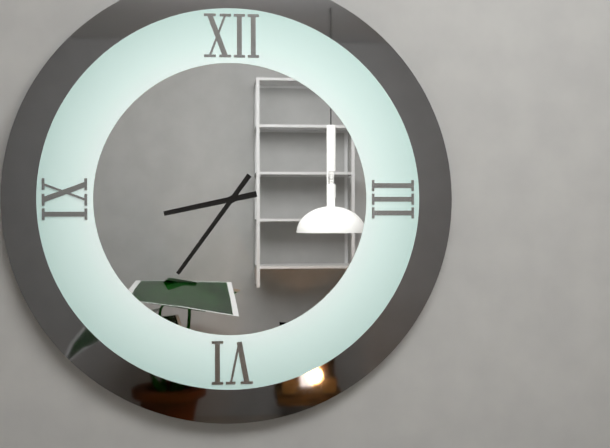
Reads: 8,36
